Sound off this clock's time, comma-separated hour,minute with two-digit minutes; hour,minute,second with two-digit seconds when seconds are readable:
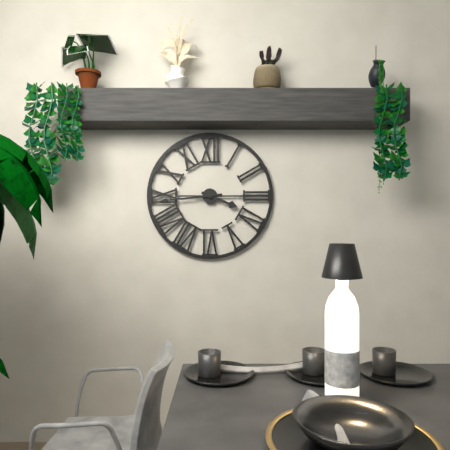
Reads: 3,44
